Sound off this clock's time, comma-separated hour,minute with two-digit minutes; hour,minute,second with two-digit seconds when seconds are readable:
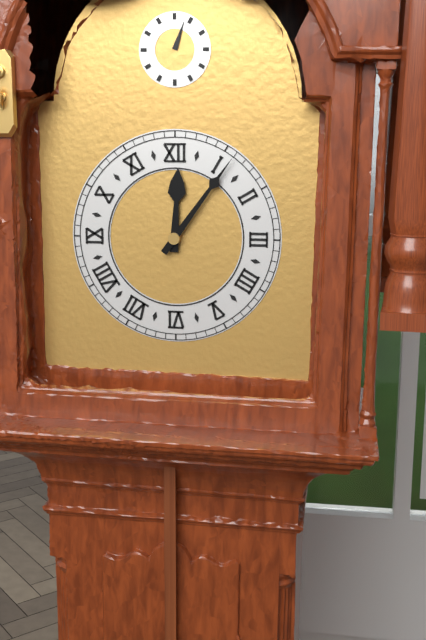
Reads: 12,06
